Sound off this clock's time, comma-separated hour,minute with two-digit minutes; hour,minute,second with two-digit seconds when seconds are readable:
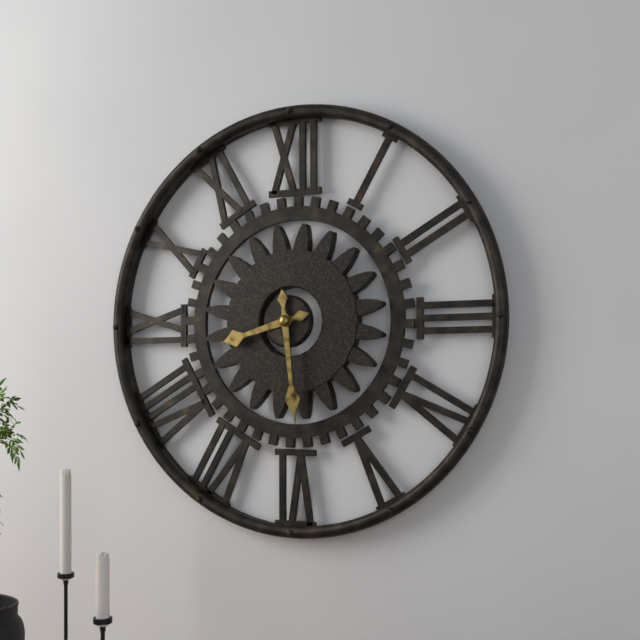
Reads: 8,29
